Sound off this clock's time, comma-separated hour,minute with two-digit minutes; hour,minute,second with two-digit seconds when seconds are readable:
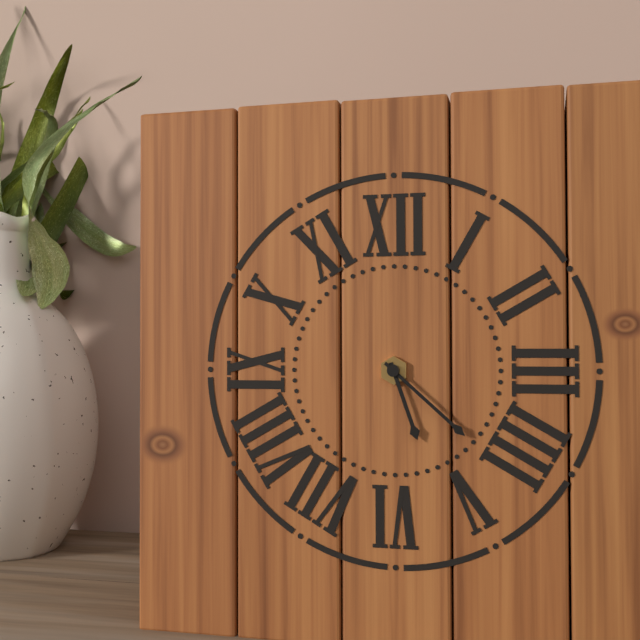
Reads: 5,22
